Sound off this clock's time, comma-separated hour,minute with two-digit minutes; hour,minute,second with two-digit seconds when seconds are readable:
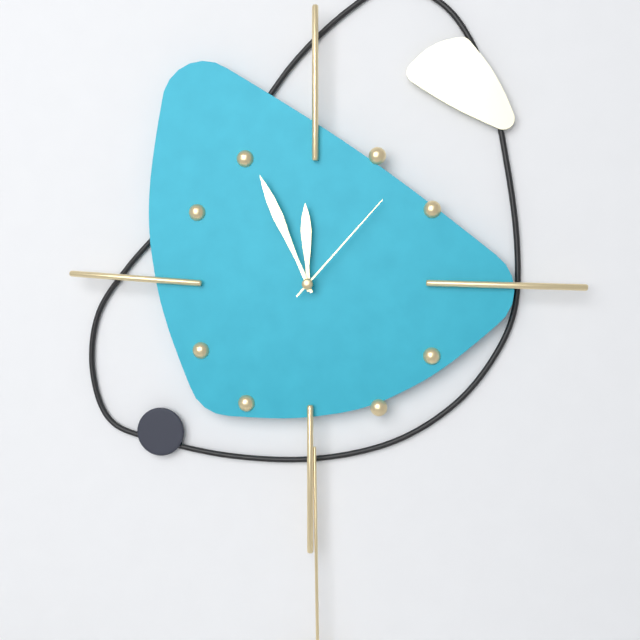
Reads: 11,56,07
